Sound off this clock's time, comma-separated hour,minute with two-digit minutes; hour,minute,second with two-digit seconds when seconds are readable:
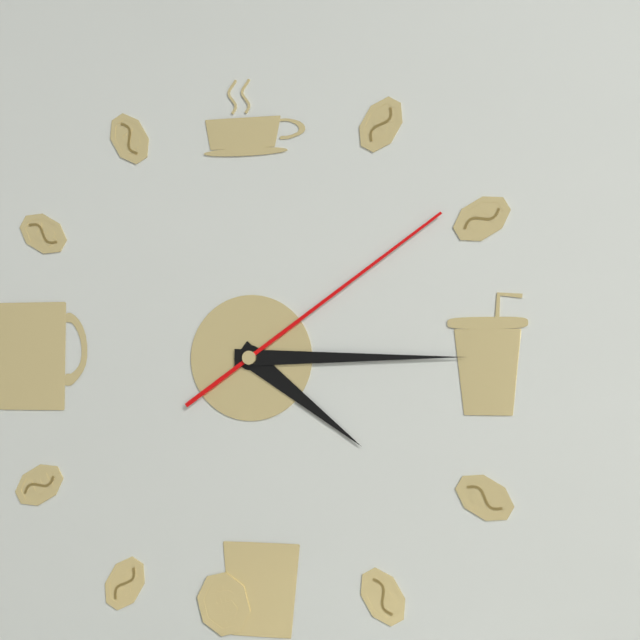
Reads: 4,15,09
